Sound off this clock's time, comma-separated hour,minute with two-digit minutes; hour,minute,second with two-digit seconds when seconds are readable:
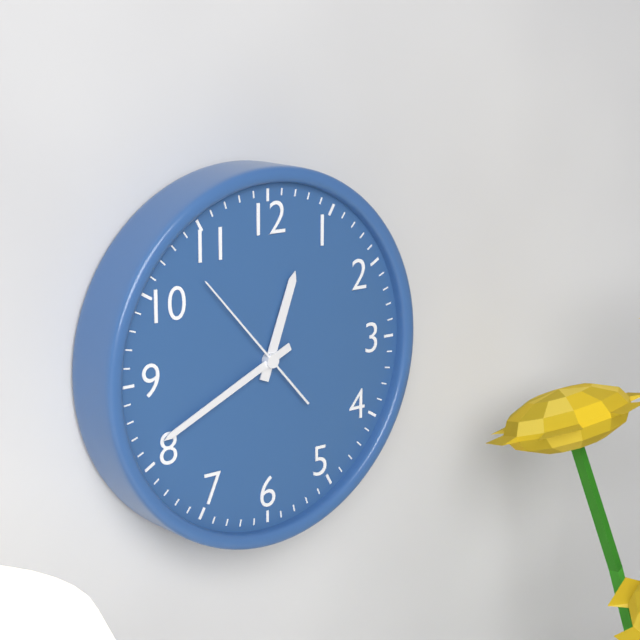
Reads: 12,41,53
